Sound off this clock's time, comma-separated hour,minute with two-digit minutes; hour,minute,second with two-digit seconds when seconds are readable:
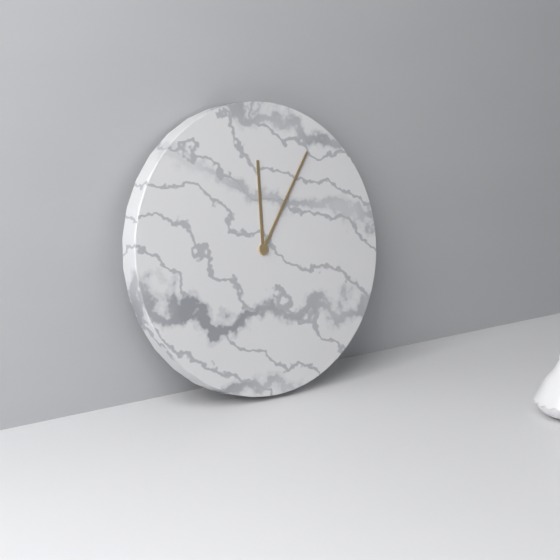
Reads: 12,06
